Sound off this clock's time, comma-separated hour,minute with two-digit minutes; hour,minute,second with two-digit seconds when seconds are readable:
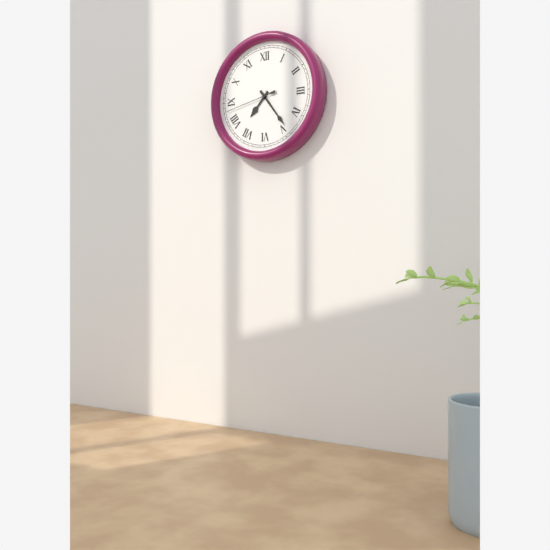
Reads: 7,24,43
